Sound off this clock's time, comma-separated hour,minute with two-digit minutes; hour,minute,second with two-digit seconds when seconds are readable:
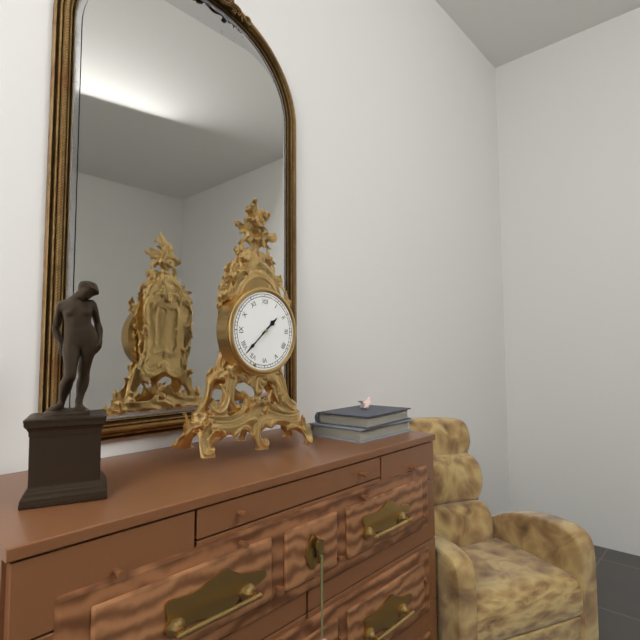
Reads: 1,38
